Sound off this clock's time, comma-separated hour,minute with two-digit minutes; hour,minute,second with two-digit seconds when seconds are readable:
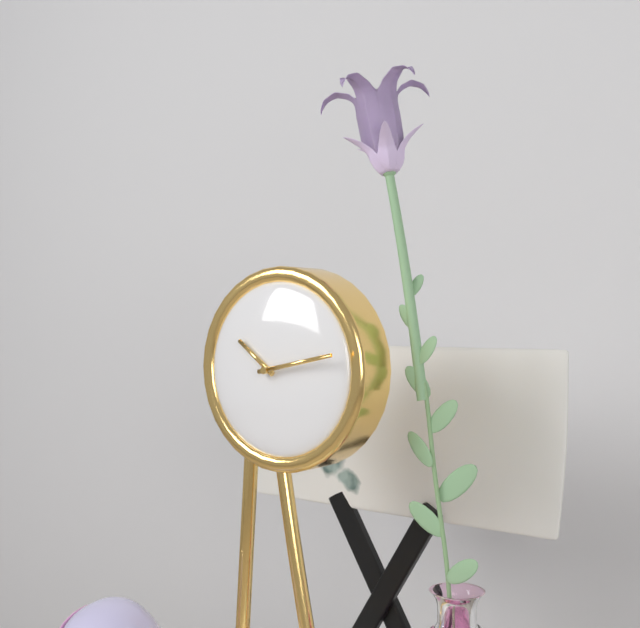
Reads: 10,13
